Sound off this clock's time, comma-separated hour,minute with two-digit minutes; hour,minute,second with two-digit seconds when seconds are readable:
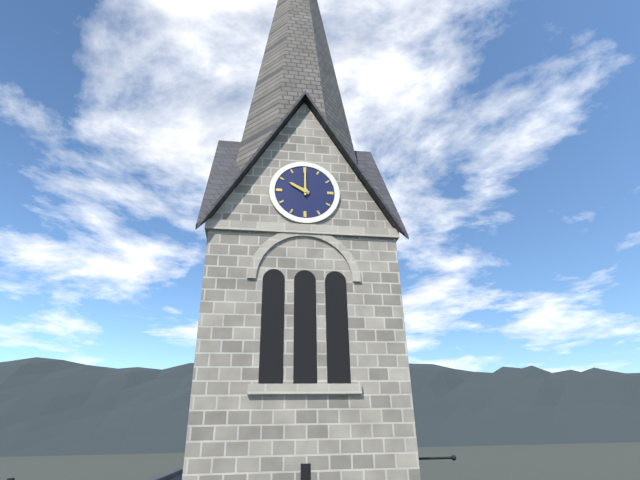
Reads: 10,00
